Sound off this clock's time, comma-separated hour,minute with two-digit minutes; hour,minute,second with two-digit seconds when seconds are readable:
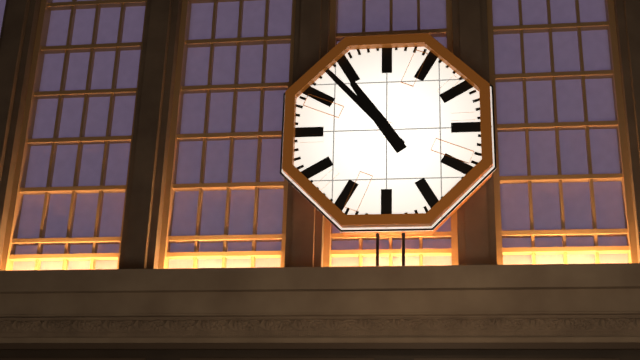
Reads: 10,53
